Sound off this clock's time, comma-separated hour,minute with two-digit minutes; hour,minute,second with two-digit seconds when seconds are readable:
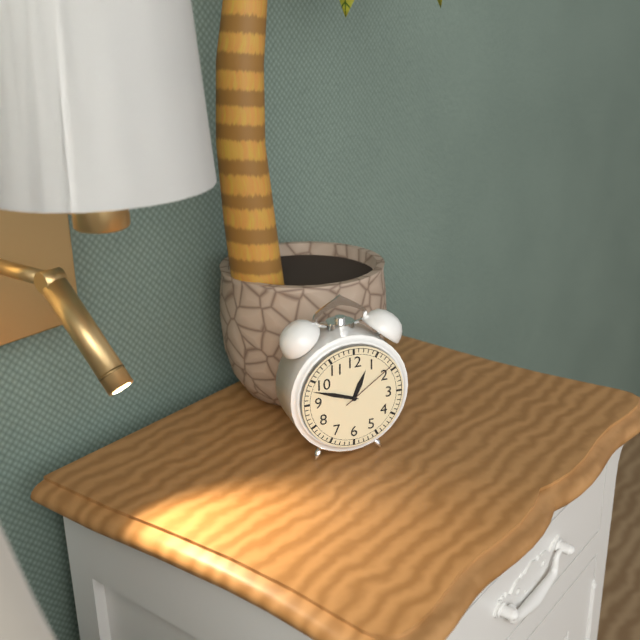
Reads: 12,48,09
